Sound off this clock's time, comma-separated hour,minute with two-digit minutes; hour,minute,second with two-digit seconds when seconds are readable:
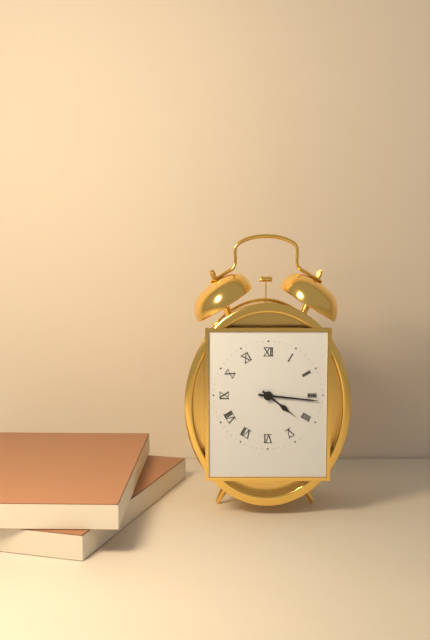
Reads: 4,16
